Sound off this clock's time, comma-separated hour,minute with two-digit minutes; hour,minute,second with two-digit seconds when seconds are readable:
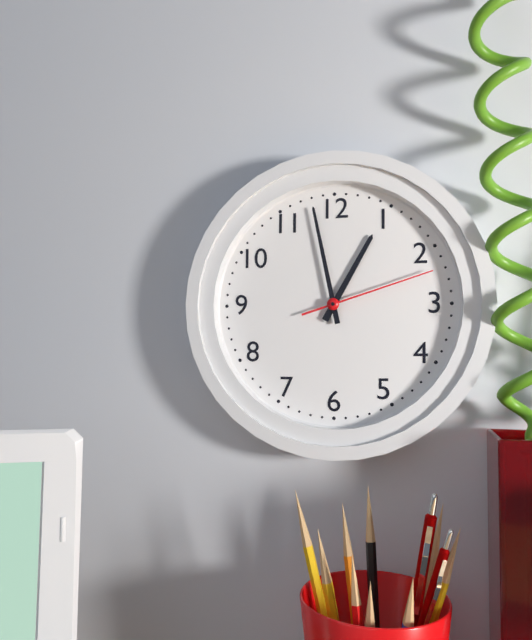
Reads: 12,58,12
